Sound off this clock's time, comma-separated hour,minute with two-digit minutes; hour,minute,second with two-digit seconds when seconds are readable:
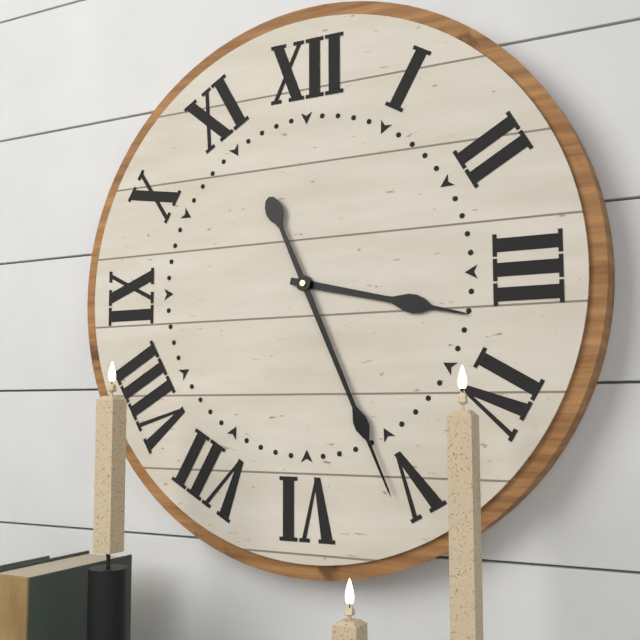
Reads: 3,26
